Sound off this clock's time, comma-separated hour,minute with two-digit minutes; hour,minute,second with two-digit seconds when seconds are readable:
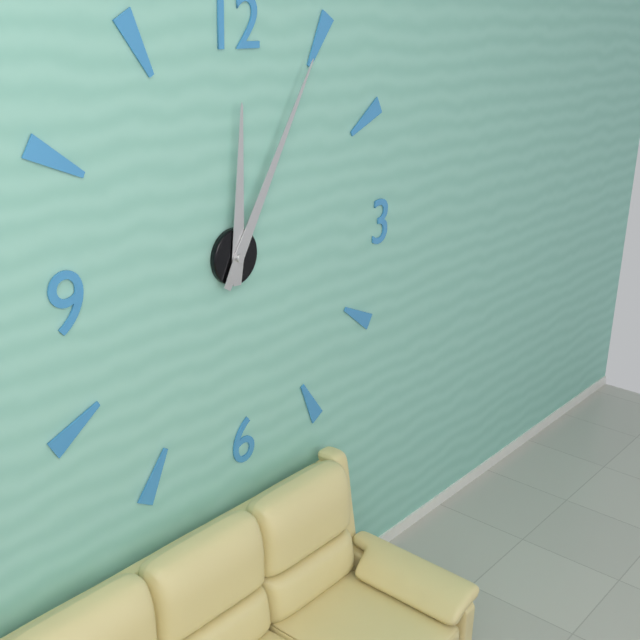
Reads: 12,05
